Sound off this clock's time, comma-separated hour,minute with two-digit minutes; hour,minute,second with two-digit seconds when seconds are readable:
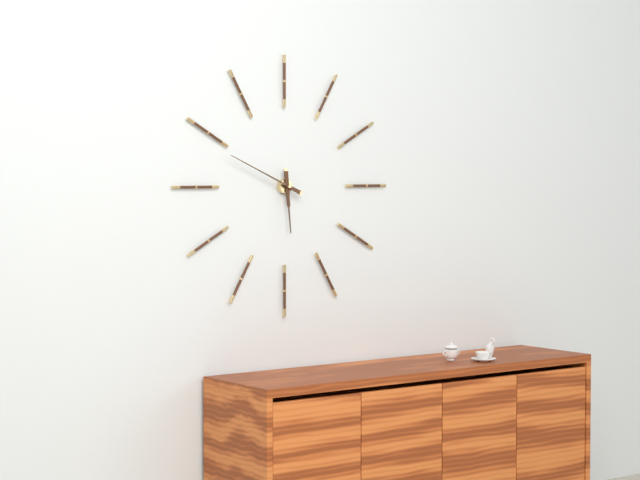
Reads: 5,49
